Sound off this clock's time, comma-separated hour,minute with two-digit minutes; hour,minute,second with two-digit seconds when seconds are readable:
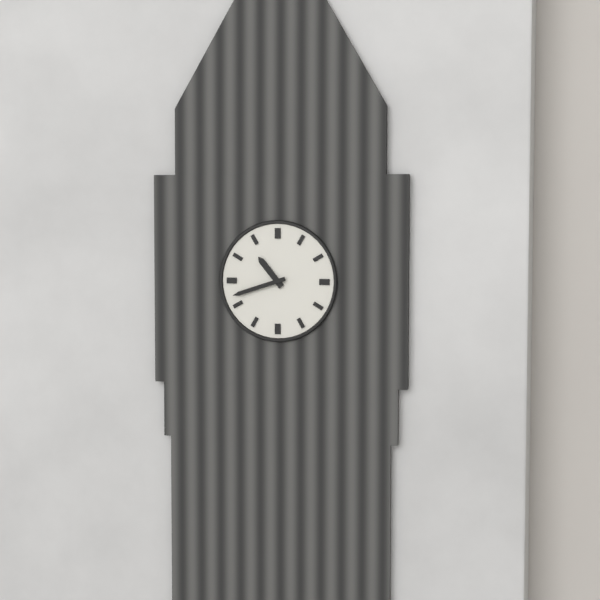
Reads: 10,42
